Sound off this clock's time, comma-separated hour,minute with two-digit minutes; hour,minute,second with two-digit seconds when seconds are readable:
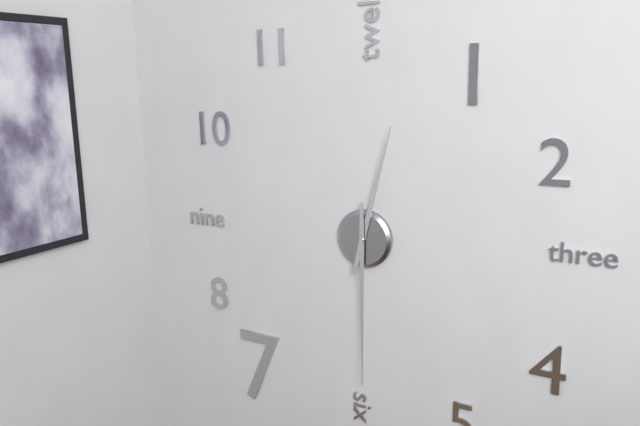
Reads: 12,30
